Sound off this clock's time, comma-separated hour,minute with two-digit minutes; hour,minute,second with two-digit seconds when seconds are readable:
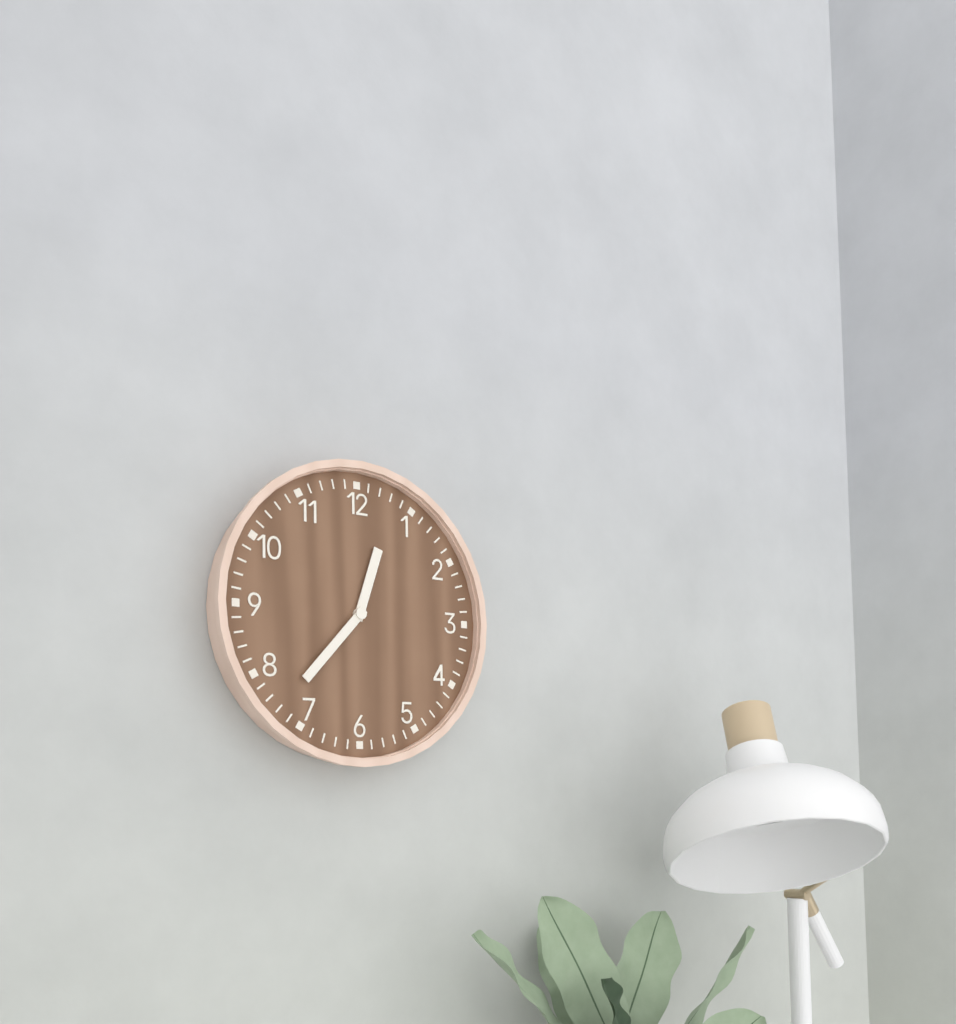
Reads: 12,37
